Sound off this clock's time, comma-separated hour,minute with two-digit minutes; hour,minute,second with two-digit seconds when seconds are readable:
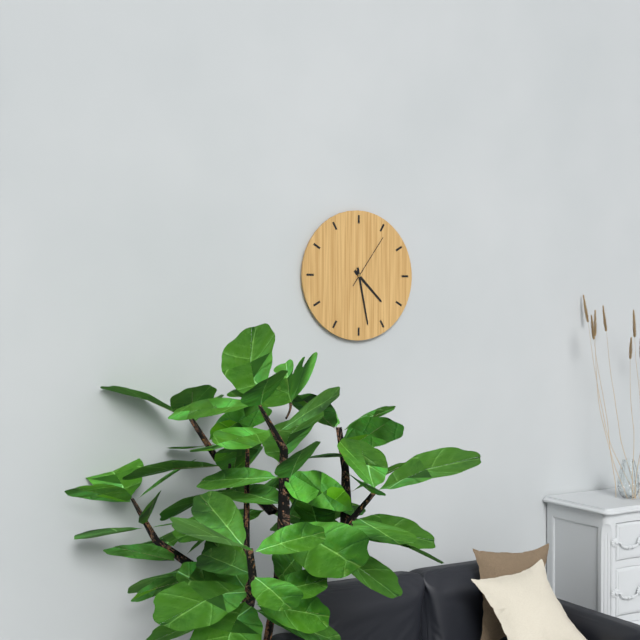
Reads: 4,28,06
